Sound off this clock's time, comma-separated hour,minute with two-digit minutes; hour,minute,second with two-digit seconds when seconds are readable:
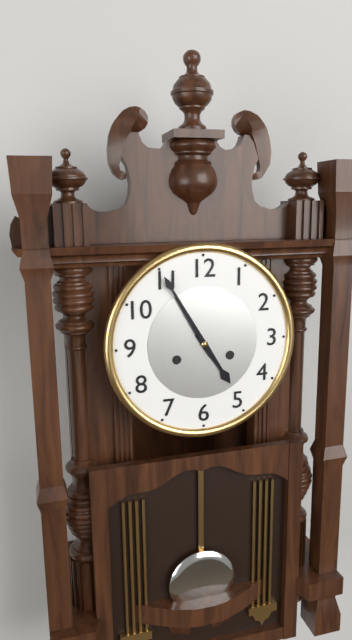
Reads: 4,55
